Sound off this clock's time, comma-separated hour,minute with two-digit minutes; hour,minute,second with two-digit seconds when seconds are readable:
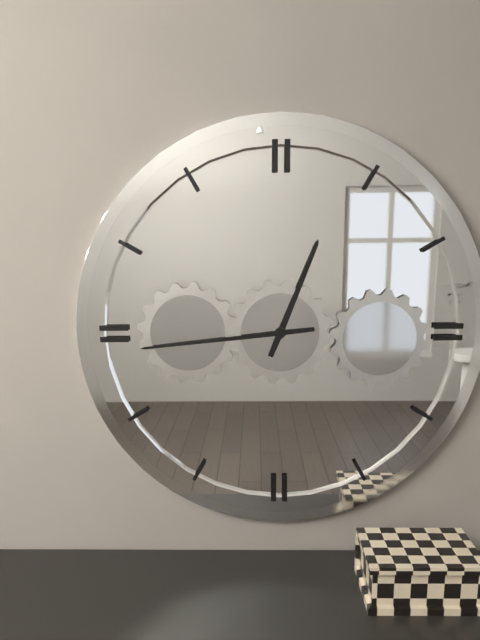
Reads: 12,44
